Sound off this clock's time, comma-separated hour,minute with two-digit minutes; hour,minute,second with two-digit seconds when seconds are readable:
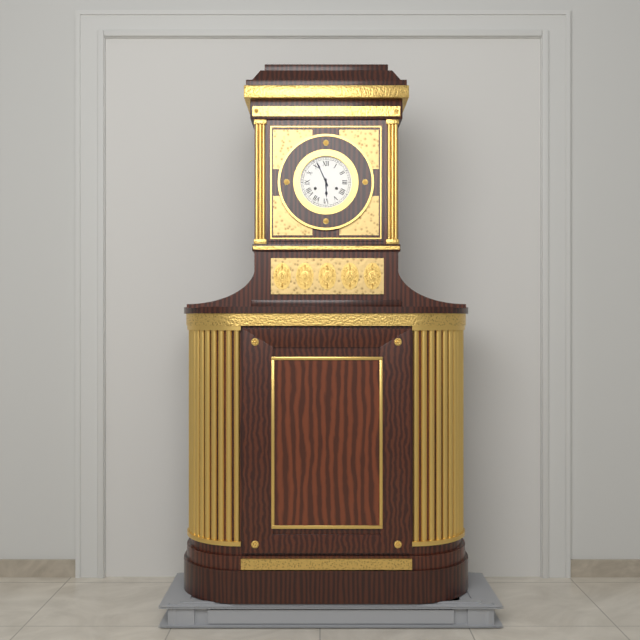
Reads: 5,56
